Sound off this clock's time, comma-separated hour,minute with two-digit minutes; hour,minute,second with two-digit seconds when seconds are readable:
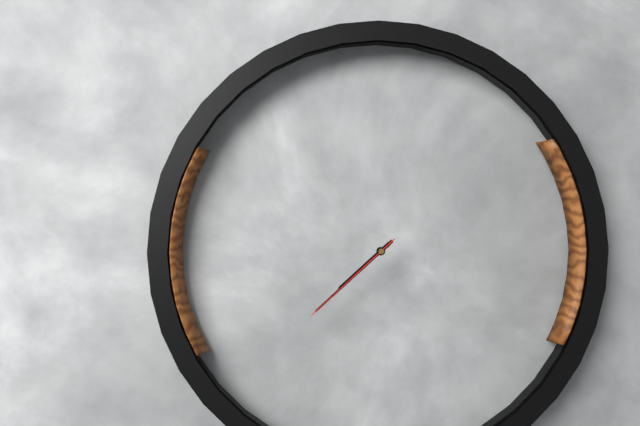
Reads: 7,38,38
